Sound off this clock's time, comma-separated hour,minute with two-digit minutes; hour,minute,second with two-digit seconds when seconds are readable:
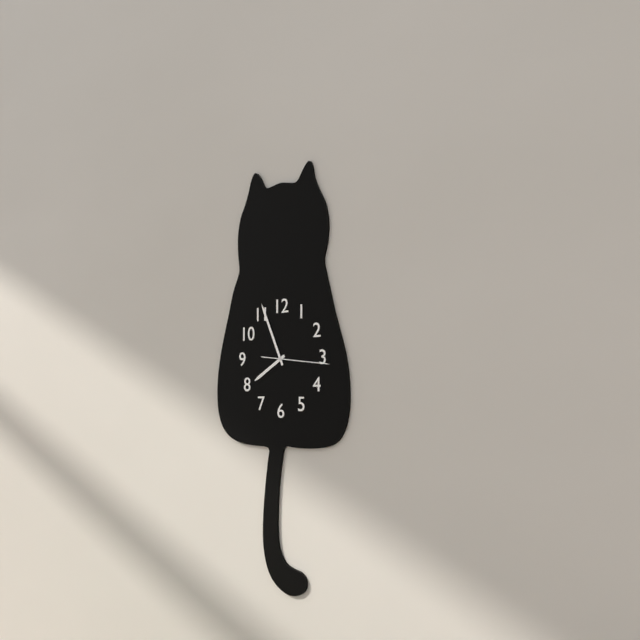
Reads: 7,56,16
